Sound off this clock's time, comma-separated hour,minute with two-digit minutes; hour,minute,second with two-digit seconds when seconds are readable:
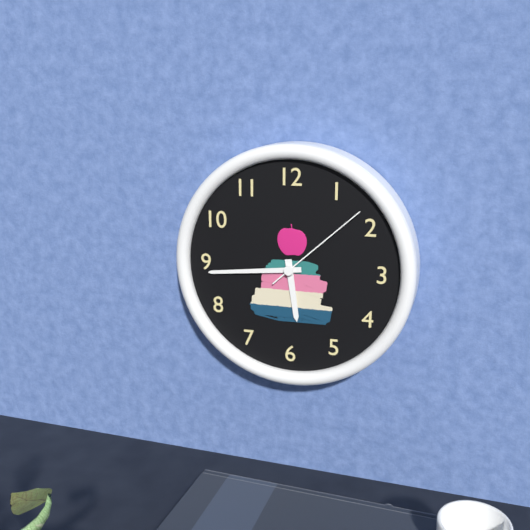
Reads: 5,44,08
